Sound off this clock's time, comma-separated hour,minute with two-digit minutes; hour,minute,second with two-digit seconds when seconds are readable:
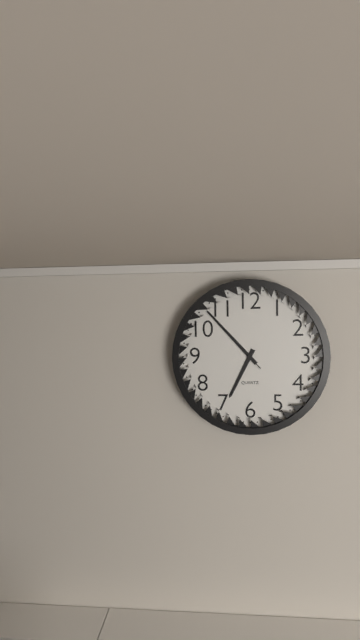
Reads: 6,53,53
